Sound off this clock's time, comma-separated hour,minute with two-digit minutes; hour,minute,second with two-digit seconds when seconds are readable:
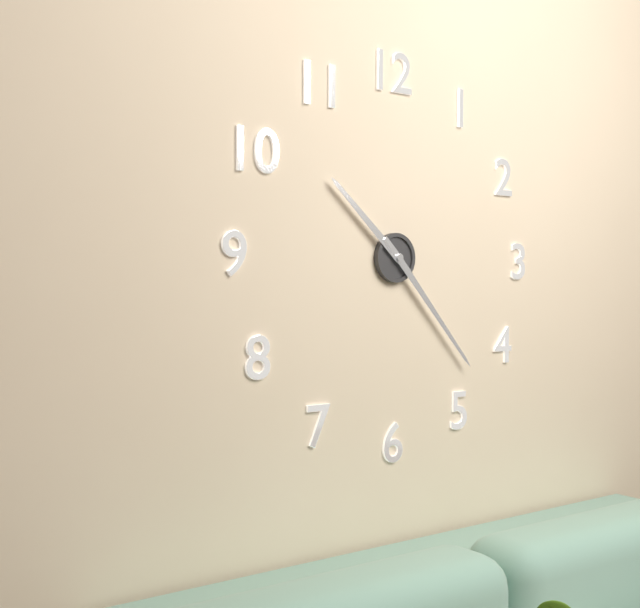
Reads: 10,23
